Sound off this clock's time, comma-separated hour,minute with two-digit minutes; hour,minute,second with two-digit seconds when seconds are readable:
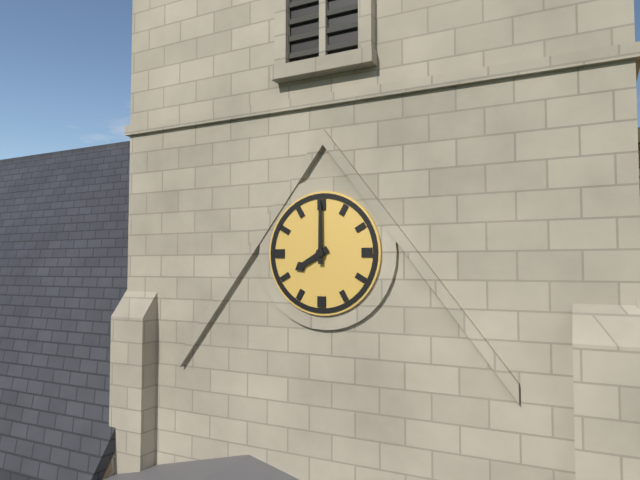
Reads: 8,00
